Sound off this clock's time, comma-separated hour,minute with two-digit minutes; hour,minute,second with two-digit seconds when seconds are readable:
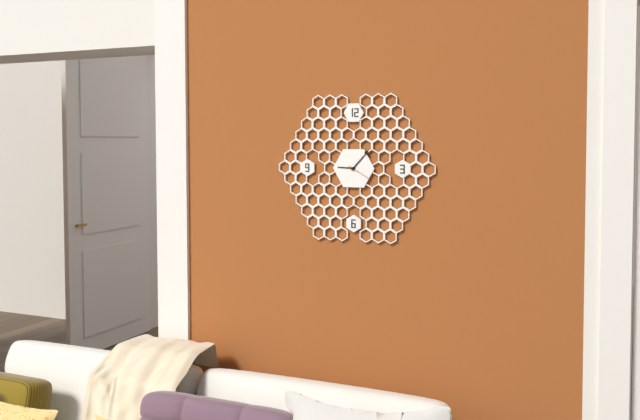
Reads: 9,07
